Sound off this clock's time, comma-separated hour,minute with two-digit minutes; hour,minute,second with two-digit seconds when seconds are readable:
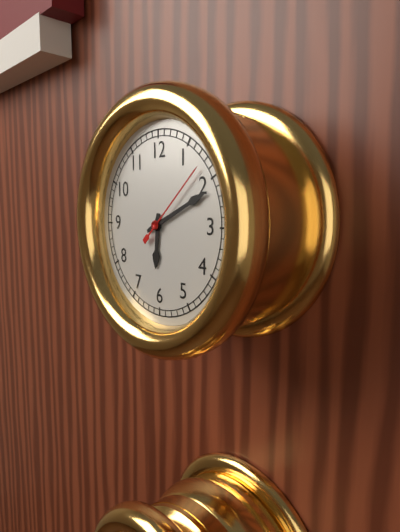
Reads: 6,11,08
